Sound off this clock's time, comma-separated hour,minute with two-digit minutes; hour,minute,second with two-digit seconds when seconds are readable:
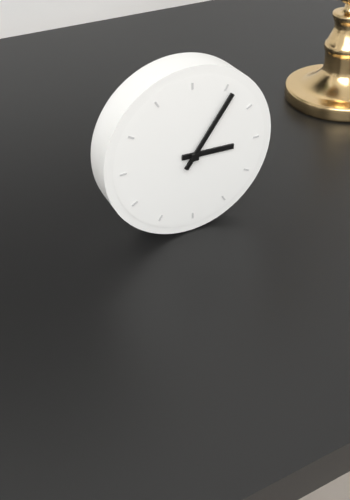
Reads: 3,06
